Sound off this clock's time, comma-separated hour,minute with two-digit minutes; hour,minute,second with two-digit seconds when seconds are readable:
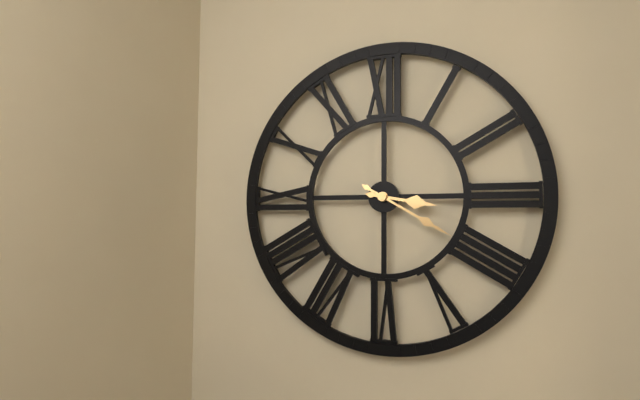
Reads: 3,20
